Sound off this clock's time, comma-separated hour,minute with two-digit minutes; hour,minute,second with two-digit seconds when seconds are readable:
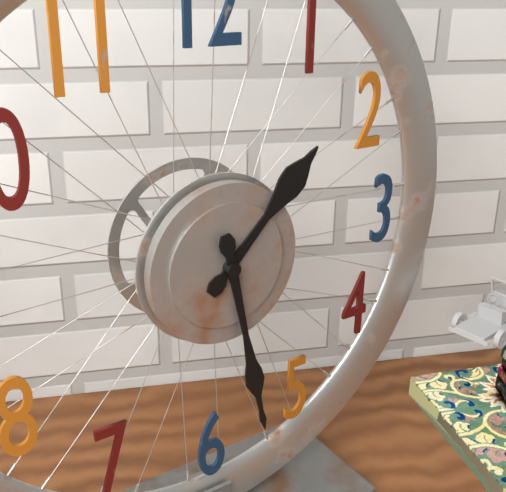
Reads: 1,28
